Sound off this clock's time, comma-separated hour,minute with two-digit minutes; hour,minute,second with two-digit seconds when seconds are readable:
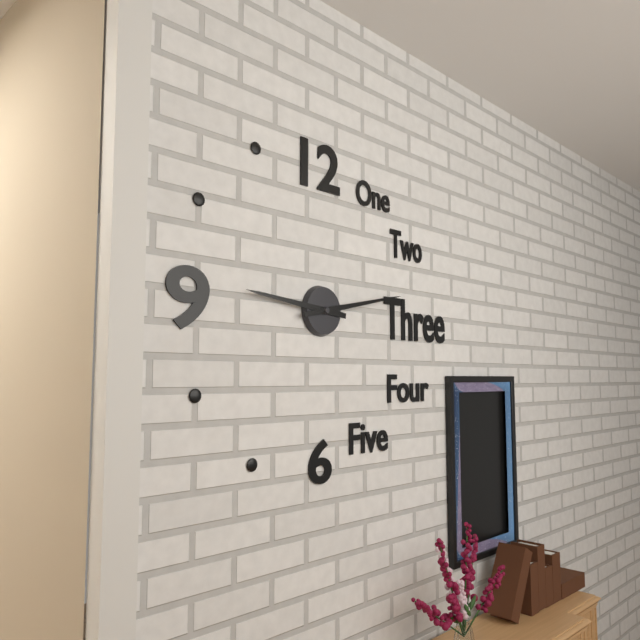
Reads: 9,13
